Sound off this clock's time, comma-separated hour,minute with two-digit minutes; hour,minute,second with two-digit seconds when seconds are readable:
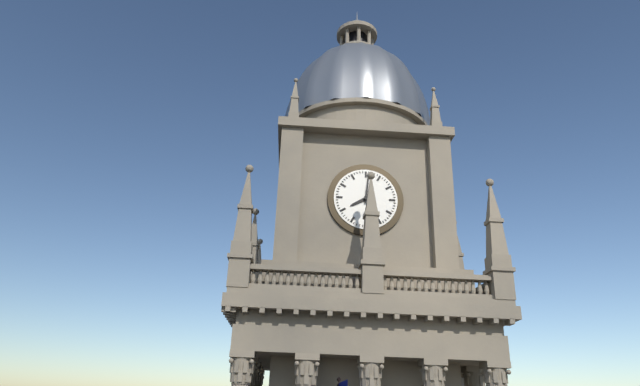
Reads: 8,01
